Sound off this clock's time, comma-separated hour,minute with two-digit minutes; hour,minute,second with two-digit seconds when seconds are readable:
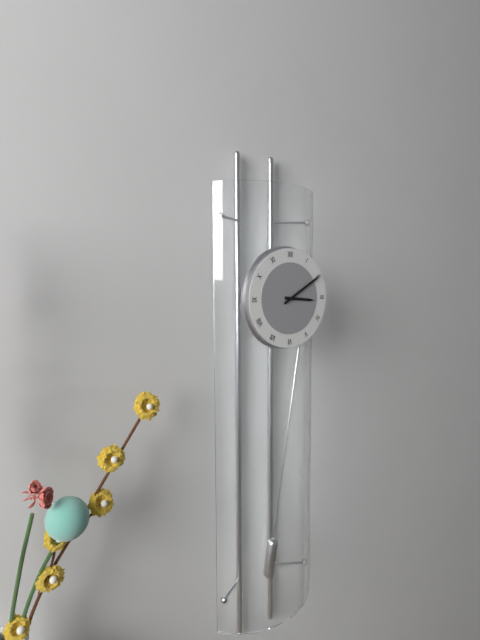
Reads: 3,10
